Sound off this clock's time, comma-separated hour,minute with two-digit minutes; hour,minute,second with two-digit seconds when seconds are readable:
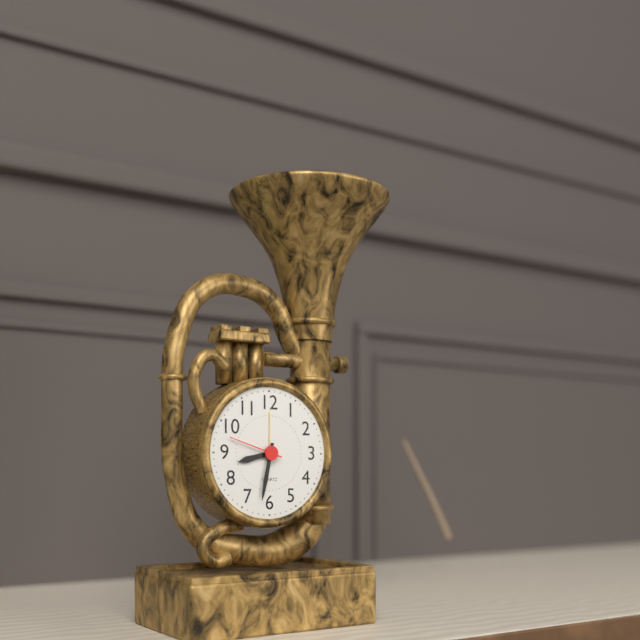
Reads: 8,32,48
